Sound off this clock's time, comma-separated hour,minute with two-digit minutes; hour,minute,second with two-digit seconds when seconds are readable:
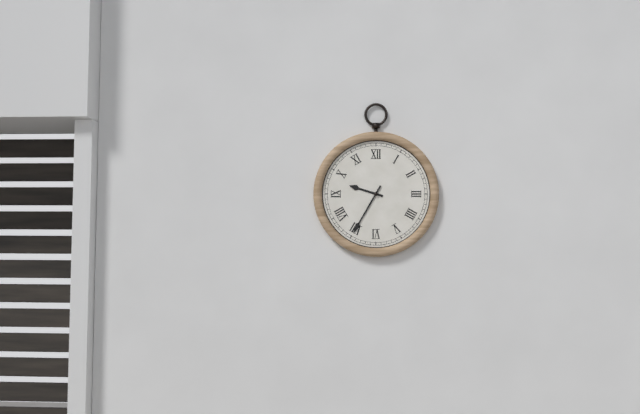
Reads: 9,35
